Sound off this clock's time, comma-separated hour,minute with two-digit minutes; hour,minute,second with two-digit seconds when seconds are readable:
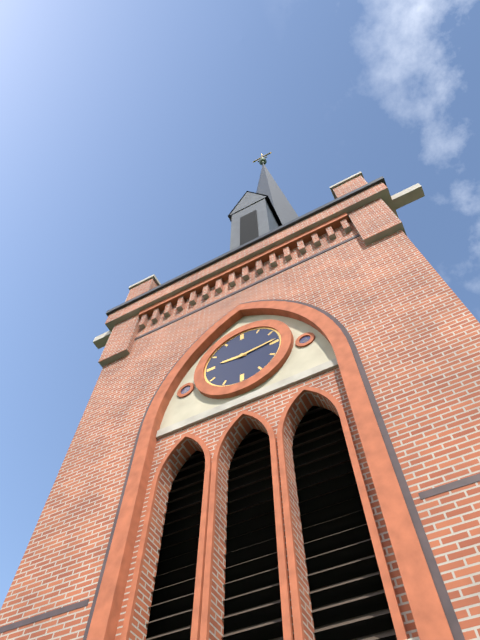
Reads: 9,14
